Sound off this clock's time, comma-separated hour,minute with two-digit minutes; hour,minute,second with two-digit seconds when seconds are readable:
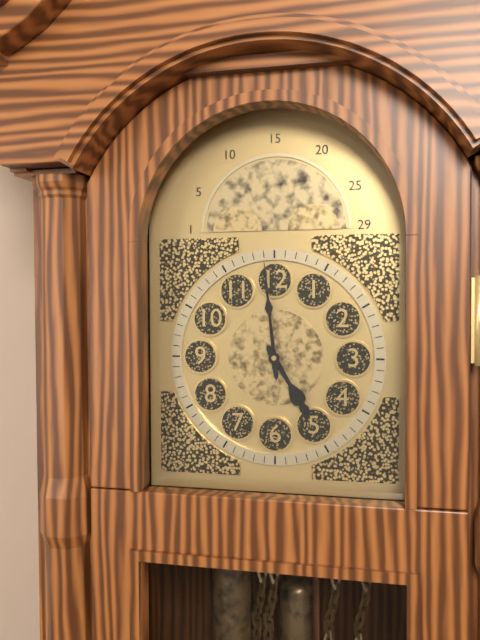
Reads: 4,59
